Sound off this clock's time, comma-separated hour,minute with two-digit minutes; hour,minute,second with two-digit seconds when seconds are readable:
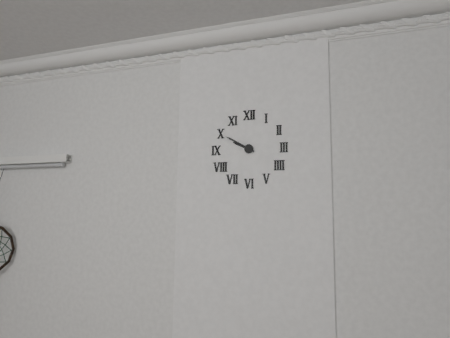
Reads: 9,50
